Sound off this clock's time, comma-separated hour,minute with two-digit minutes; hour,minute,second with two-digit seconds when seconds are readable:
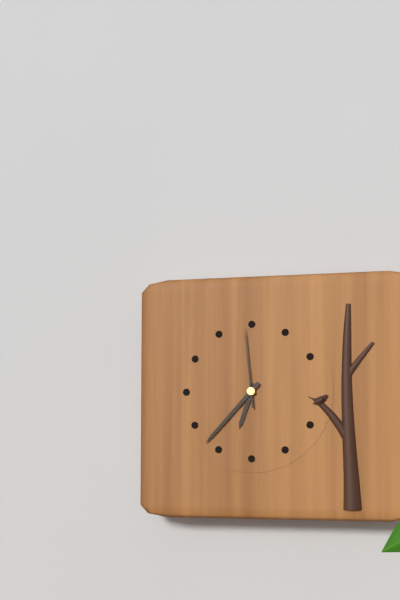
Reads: 6,37,59
